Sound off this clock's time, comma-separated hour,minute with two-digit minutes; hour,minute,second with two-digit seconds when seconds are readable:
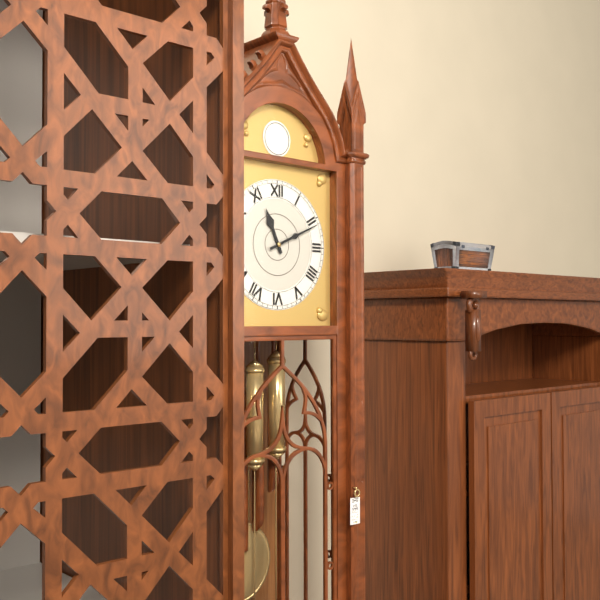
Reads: 11,11
